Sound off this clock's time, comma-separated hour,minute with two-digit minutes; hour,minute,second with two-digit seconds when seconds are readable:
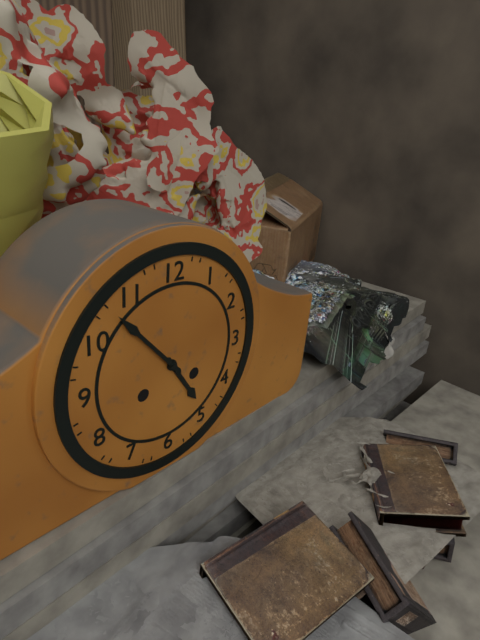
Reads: 4,53
